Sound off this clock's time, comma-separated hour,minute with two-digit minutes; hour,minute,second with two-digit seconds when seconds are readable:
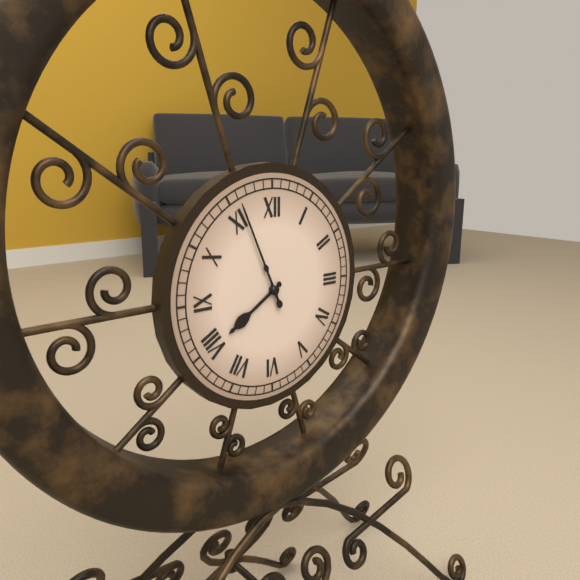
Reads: 7,56
